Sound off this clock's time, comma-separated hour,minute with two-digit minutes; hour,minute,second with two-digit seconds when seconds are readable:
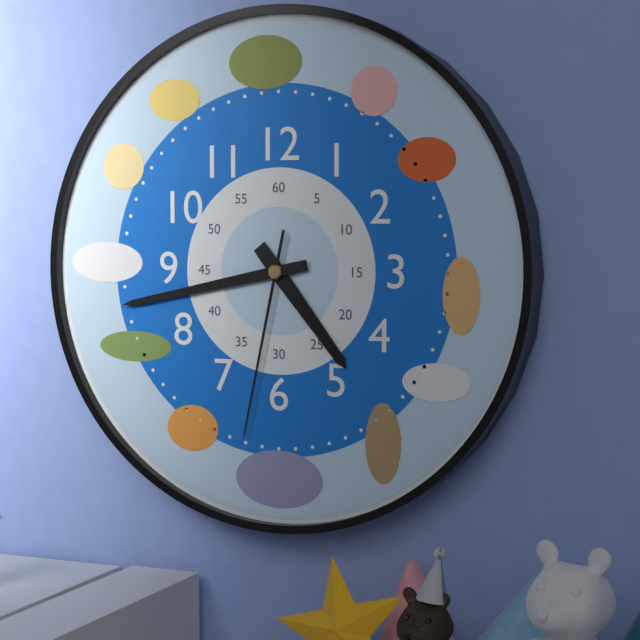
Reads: 4,43,32
